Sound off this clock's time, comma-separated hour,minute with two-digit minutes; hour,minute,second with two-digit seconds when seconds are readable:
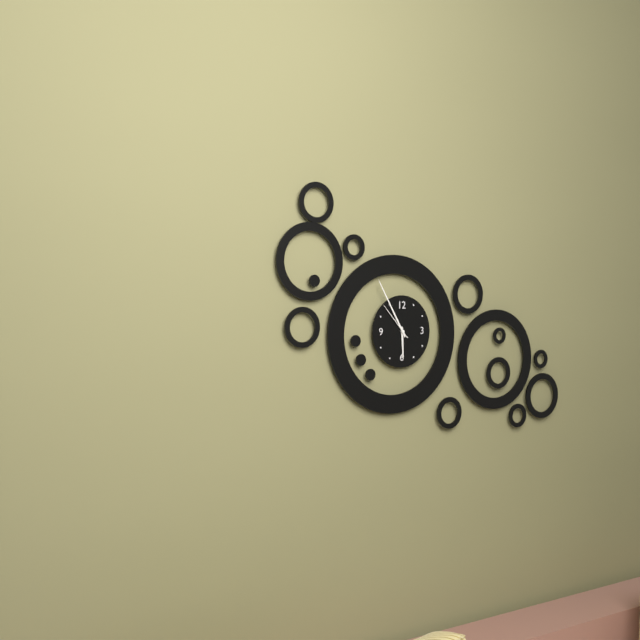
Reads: 5,55
